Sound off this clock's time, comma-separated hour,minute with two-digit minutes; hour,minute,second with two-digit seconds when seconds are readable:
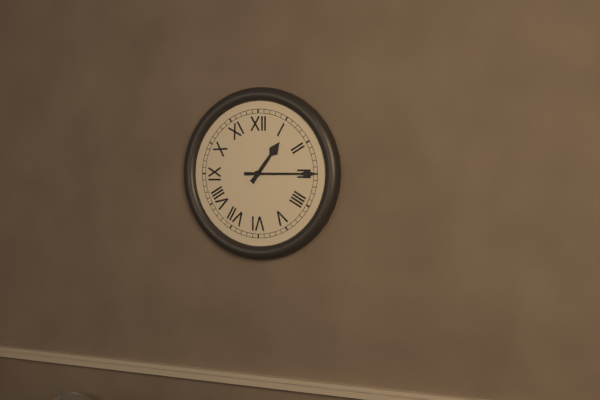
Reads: 1,15
